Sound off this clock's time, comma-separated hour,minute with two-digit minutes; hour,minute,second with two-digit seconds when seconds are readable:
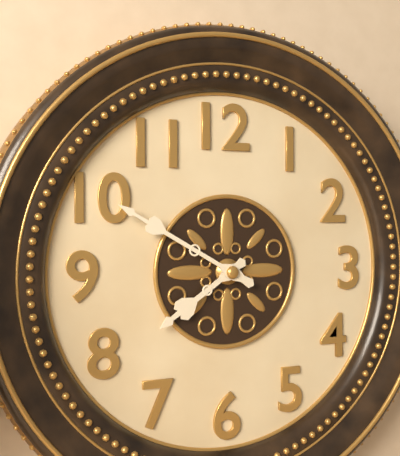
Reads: 7,50
